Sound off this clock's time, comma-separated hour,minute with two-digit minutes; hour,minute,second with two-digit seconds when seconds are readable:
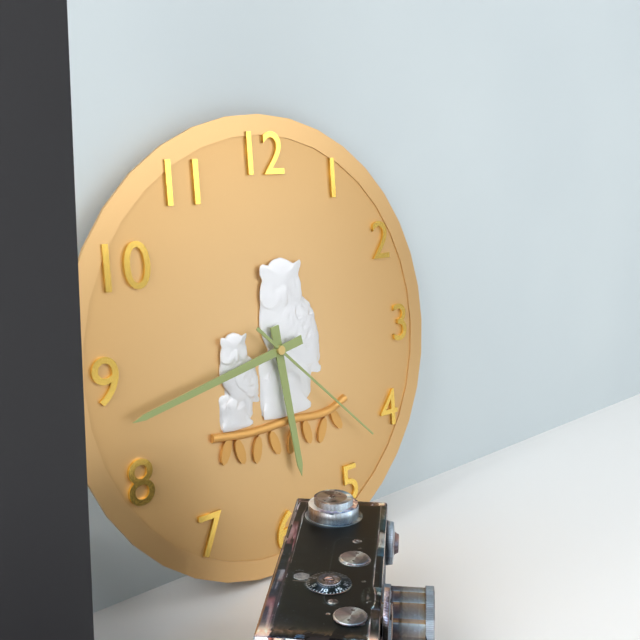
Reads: 5,43,22
